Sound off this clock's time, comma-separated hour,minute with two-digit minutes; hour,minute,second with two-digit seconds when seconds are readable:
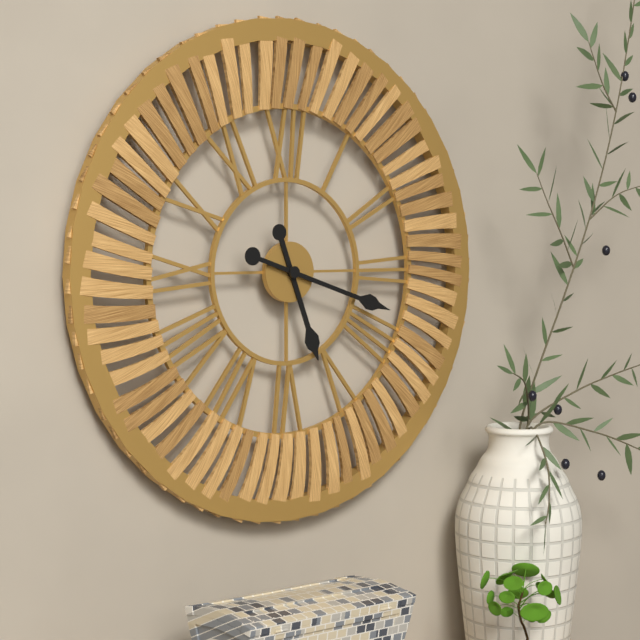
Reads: 5,18
